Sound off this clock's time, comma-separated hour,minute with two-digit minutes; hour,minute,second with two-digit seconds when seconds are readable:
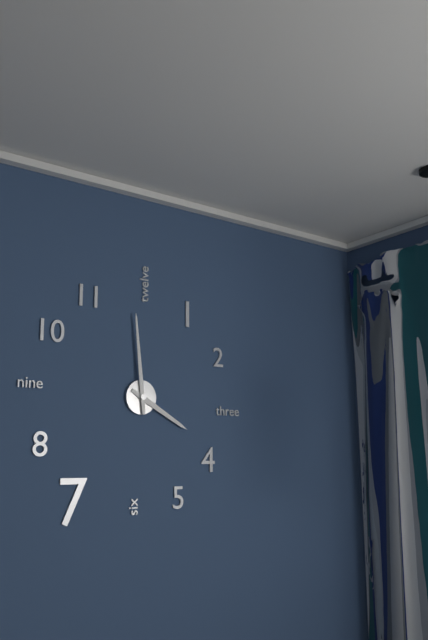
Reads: 3,59
